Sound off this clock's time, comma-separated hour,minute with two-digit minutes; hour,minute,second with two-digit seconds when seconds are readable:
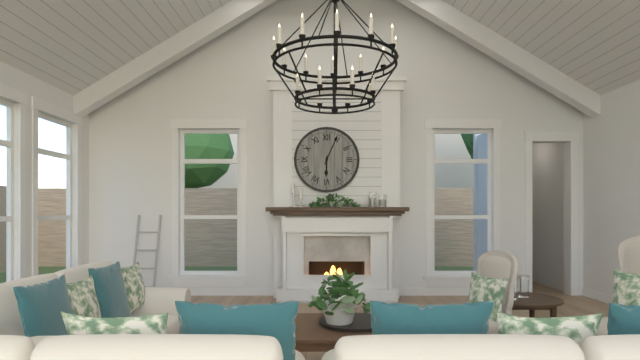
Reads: 6,04
